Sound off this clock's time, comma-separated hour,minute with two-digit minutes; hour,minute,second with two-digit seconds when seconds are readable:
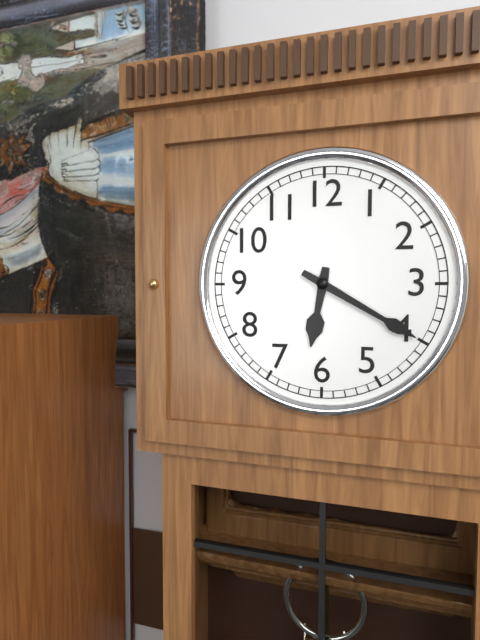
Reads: 6,20
